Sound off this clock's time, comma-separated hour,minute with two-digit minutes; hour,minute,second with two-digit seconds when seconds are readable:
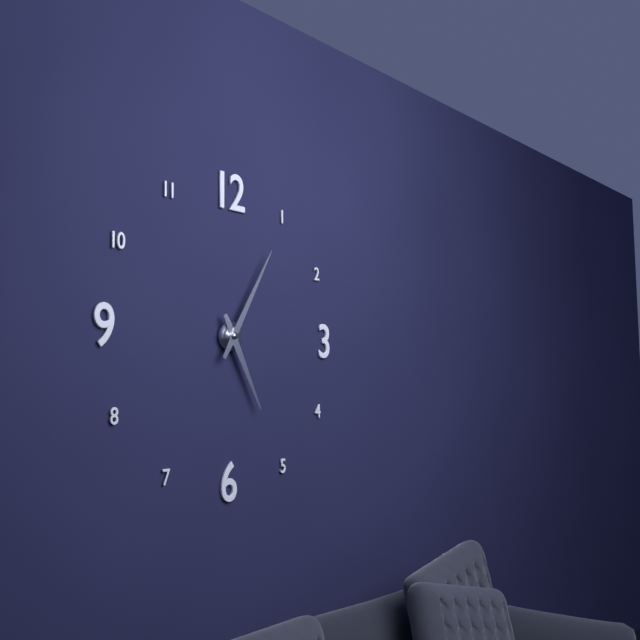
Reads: 5,05
